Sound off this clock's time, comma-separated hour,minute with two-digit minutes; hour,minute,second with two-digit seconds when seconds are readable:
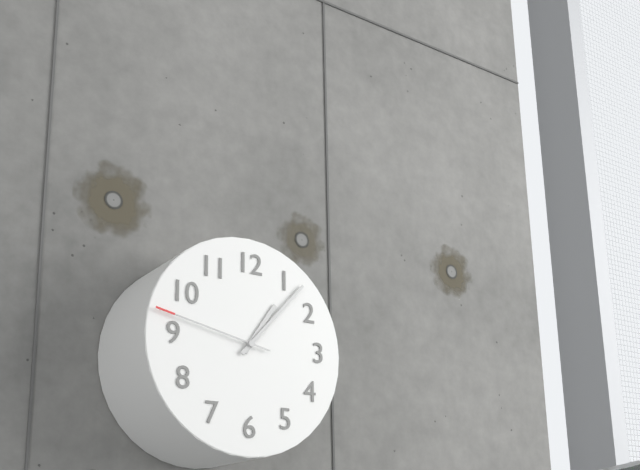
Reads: 1,07,47
